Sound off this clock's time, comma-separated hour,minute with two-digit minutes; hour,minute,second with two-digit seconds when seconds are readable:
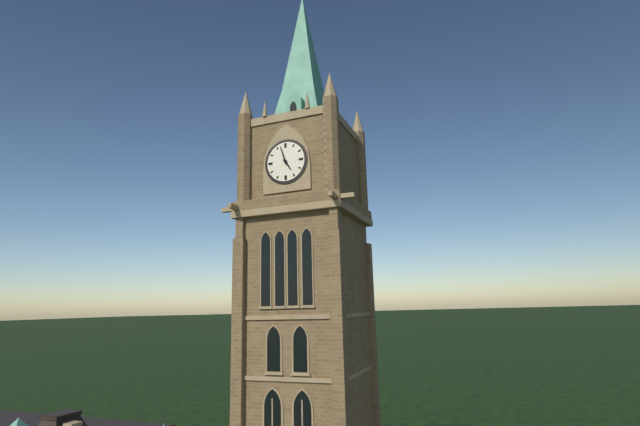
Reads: 4,57
